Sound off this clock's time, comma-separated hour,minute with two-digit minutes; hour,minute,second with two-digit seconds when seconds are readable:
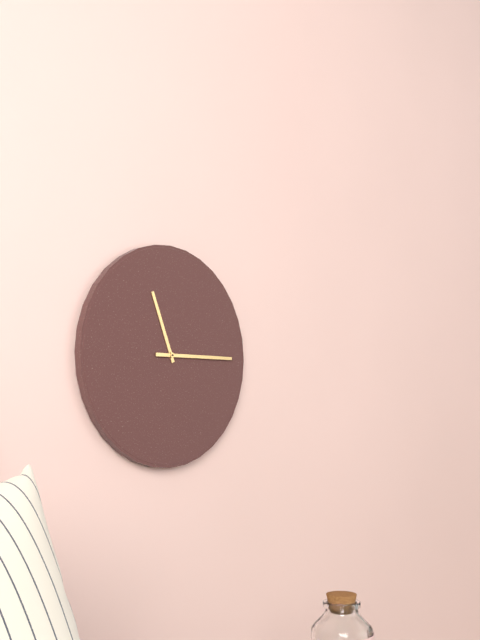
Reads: 11,15
